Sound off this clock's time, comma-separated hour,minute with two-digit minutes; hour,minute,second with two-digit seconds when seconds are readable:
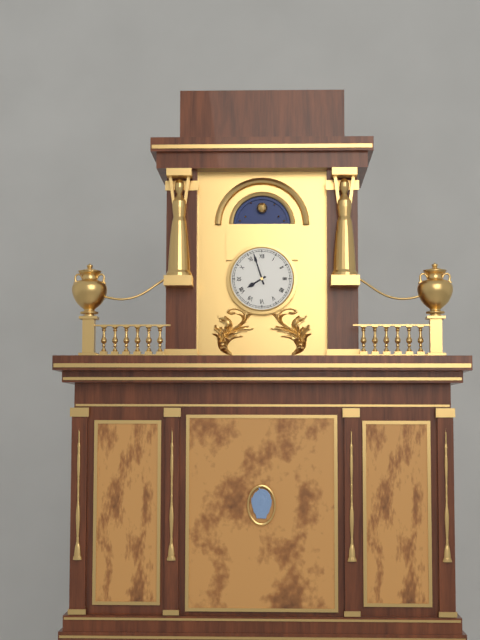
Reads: 7,57
